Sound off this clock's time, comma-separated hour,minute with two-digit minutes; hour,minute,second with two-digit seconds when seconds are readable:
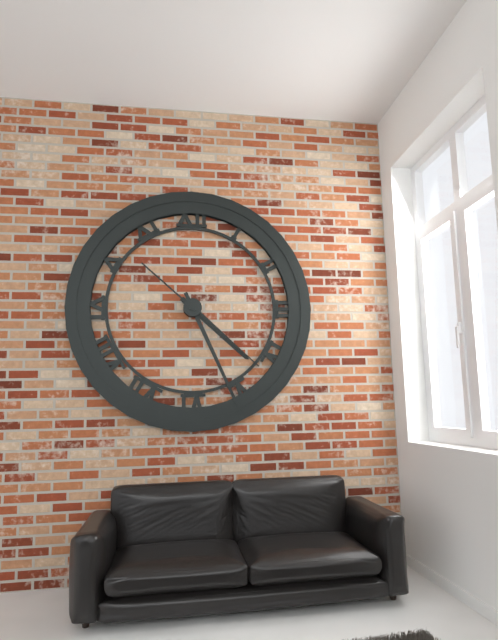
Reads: 4,26,22
